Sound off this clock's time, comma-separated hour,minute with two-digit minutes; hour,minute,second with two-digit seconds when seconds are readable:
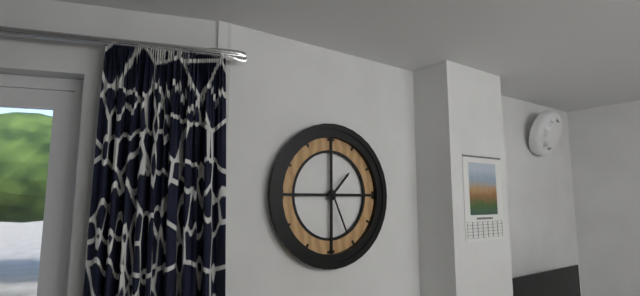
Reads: 1,26
